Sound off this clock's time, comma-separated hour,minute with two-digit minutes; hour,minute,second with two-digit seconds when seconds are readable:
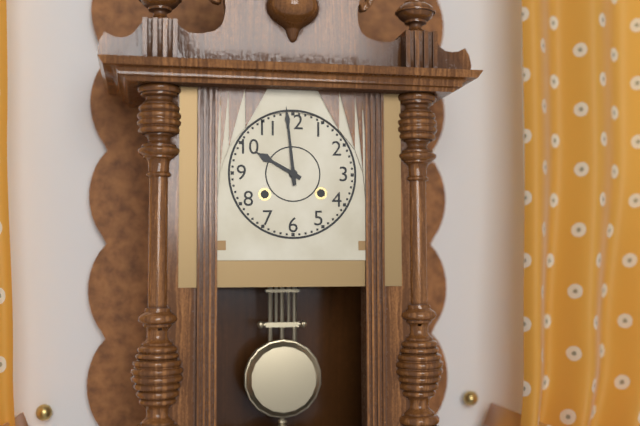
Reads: 9,59
